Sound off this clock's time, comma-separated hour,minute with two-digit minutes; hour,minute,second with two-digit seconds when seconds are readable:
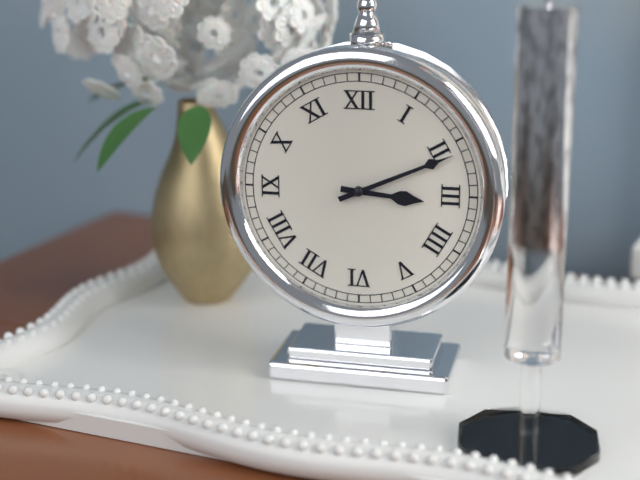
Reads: 3,11
